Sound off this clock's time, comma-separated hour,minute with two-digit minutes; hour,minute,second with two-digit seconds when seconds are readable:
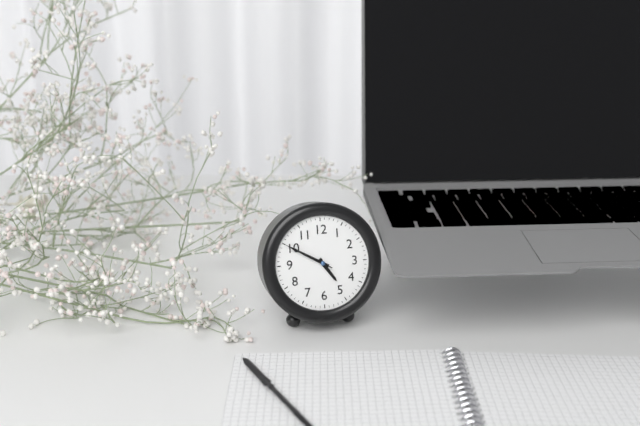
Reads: 4,50,50
